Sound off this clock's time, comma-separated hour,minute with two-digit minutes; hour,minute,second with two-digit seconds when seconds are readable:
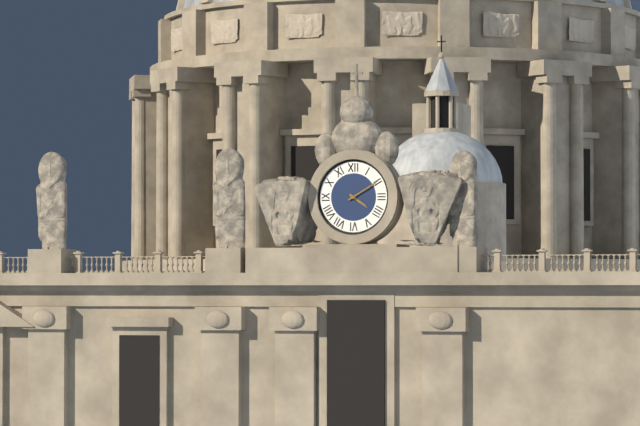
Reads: 4,10
